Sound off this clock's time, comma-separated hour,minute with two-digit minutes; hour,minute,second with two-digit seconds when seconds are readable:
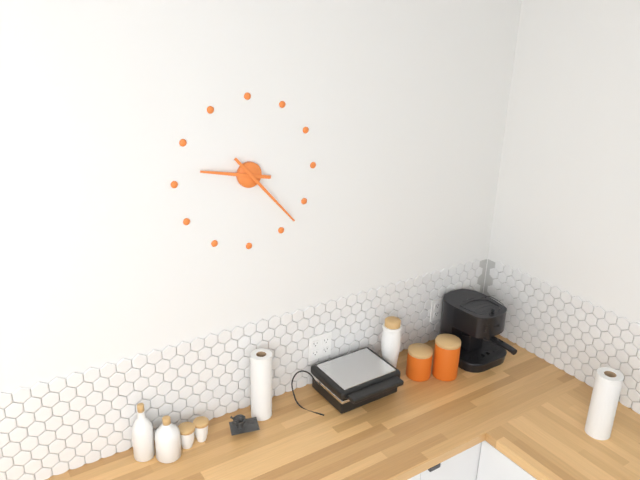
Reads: 9,23
